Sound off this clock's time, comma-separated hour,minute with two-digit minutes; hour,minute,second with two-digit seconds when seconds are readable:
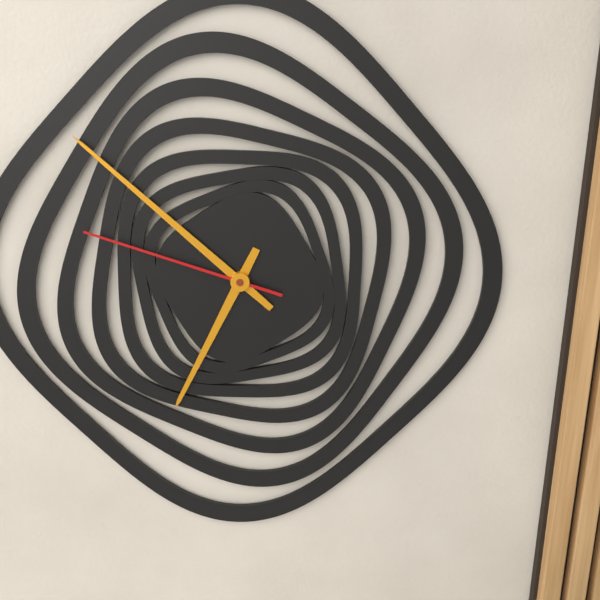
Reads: 6,52,48
